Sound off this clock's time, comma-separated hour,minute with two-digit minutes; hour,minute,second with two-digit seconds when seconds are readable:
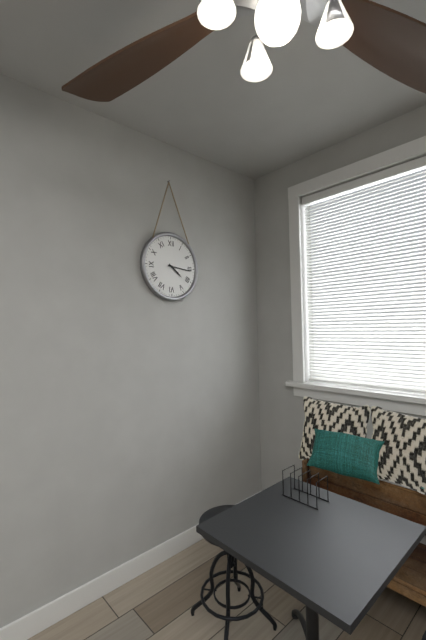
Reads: 4,16
